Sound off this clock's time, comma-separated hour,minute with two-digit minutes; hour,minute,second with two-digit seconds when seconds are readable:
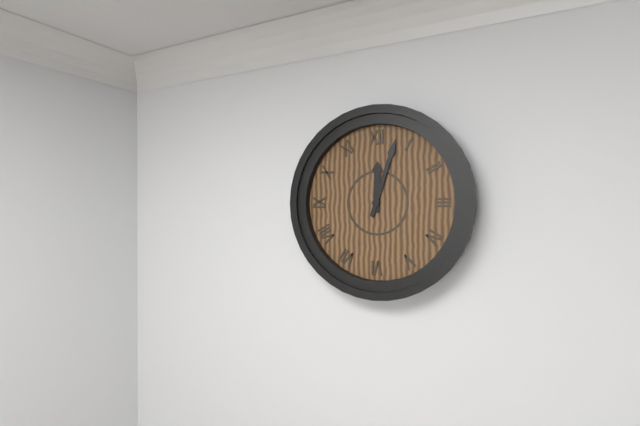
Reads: 12,03
